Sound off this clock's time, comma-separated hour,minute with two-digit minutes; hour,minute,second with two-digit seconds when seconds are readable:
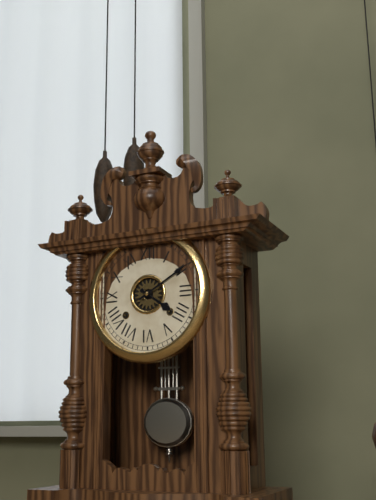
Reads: 4,10
